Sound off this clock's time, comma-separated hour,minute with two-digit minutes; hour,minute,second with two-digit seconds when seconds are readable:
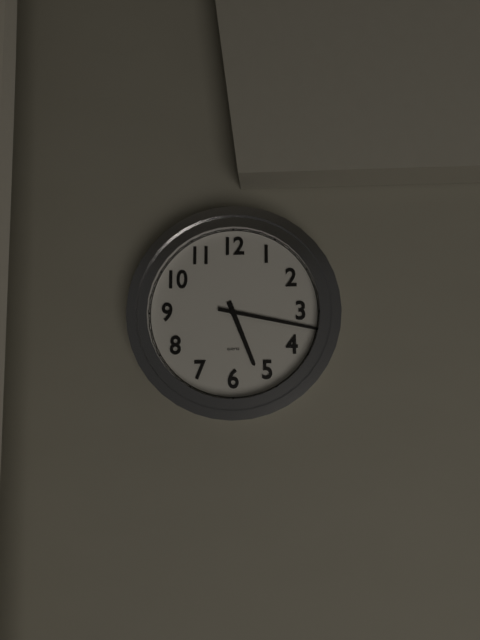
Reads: 5,17
